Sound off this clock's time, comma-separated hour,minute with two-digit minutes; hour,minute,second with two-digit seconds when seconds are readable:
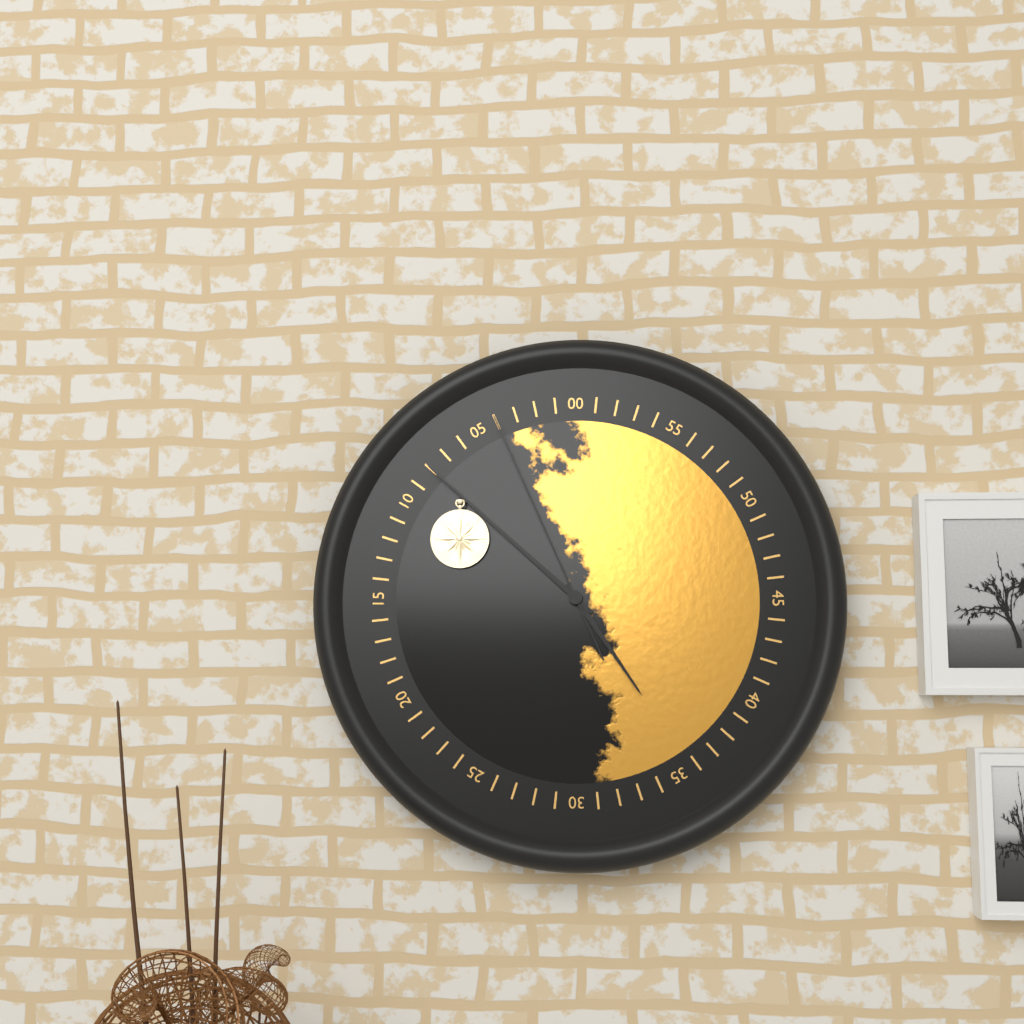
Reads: 4,52,56
